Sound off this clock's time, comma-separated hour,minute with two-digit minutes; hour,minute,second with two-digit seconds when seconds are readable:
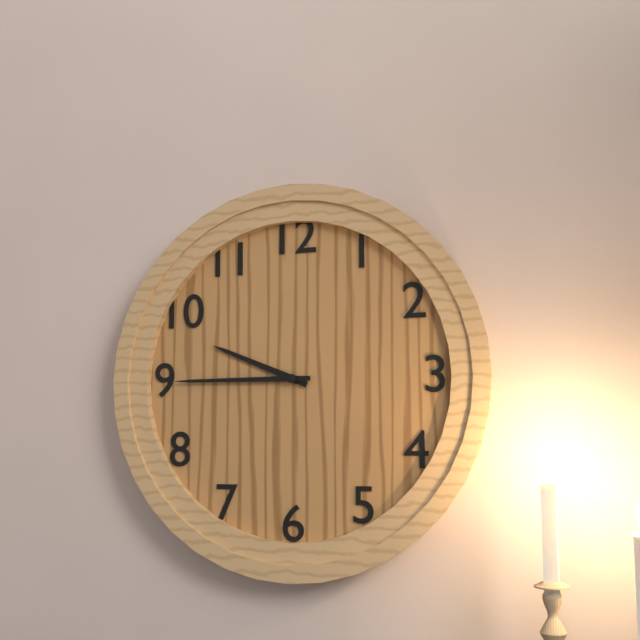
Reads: 9,45
